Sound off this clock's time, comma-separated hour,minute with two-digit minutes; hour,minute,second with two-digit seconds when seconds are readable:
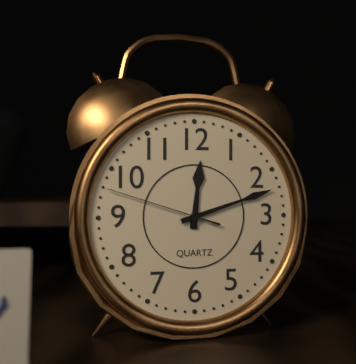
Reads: 12,12,48
